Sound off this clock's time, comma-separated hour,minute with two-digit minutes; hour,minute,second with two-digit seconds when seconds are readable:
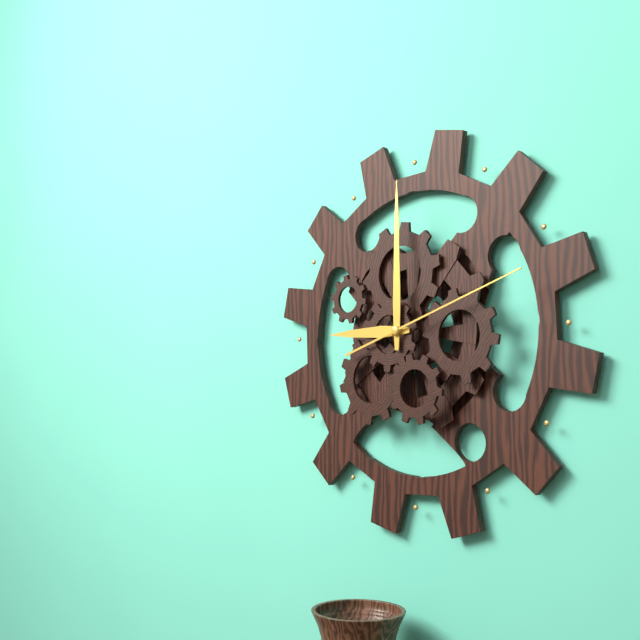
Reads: 9,00,12
